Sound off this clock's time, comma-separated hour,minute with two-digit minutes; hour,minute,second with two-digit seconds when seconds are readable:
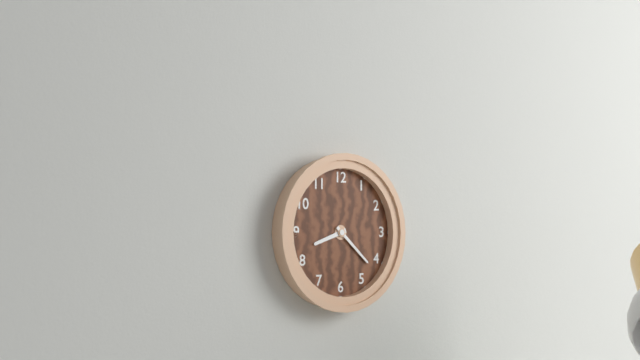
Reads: 8,22
